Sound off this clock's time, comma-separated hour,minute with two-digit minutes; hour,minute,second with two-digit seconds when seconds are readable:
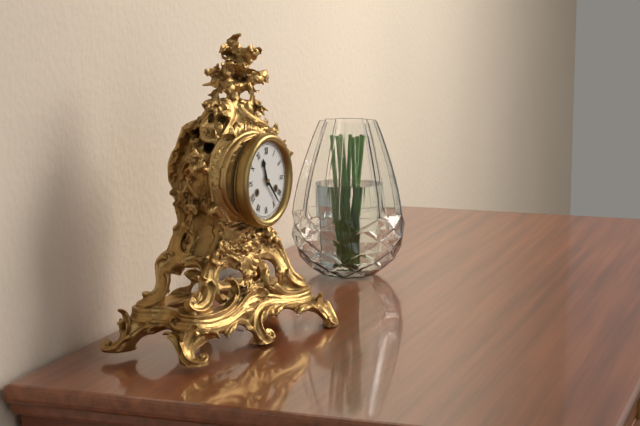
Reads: 11,23
